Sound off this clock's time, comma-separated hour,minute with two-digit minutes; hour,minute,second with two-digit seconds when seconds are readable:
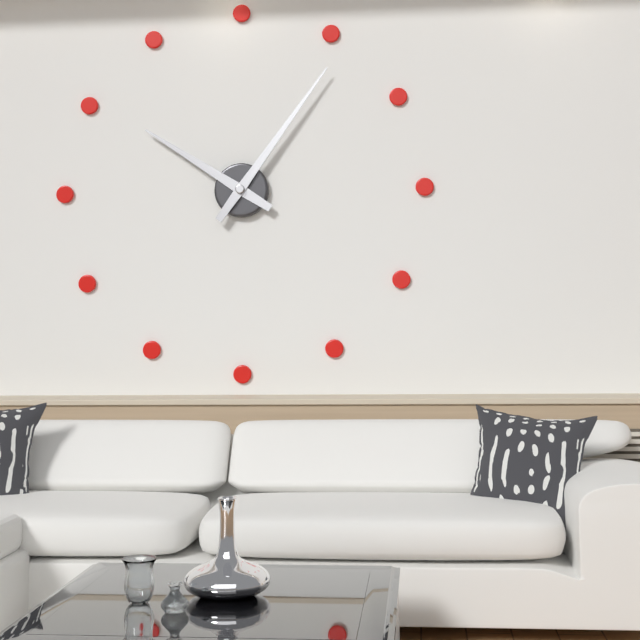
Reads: 10,06
